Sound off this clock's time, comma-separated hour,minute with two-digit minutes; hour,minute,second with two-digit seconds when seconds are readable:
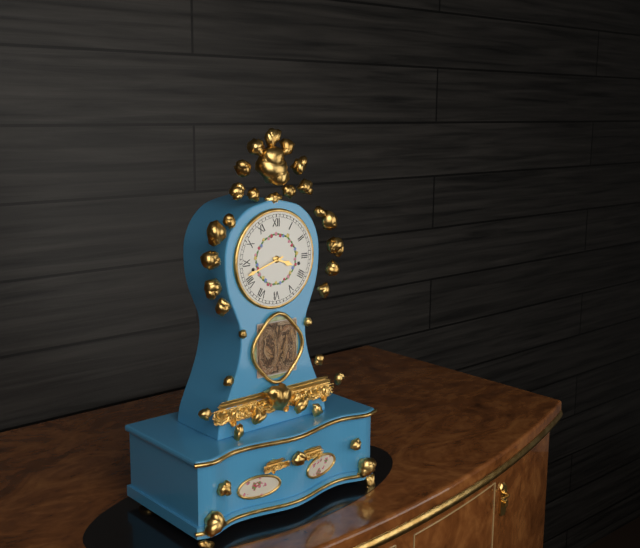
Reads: 3,42
